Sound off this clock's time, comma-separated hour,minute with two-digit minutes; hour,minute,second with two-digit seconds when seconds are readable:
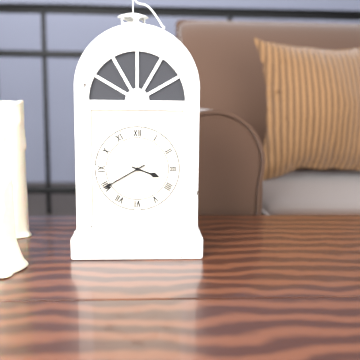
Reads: 3,40
